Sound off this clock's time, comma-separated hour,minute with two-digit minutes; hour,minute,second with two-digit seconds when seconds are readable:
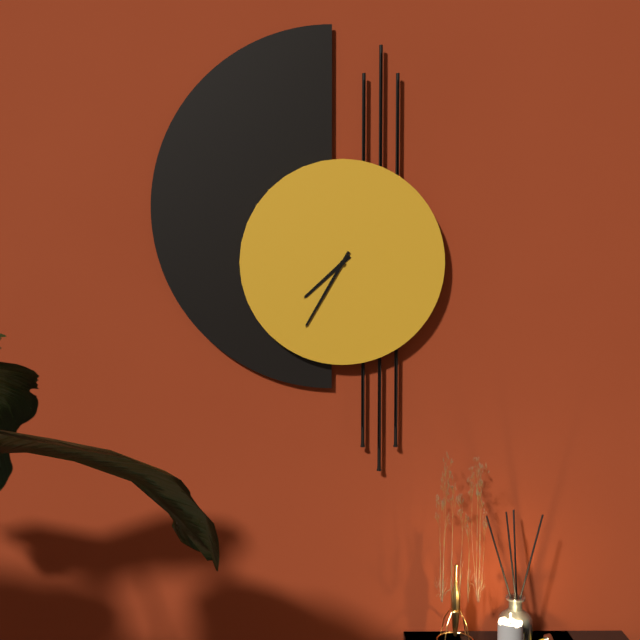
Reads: 7,35
